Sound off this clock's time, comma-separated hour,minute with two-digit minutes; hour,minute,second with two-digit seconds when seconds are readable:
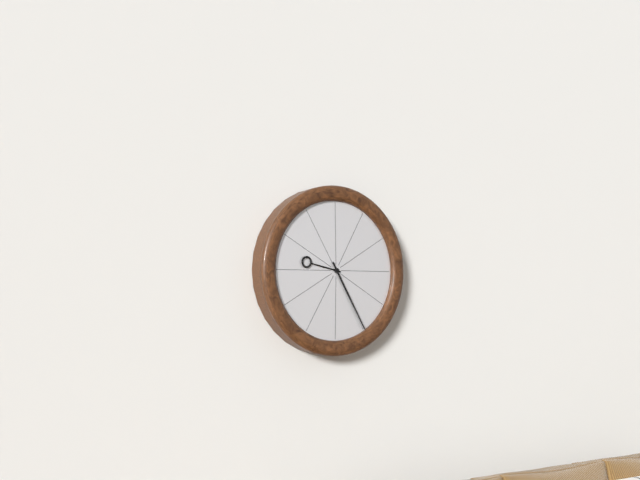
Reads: 9,25
